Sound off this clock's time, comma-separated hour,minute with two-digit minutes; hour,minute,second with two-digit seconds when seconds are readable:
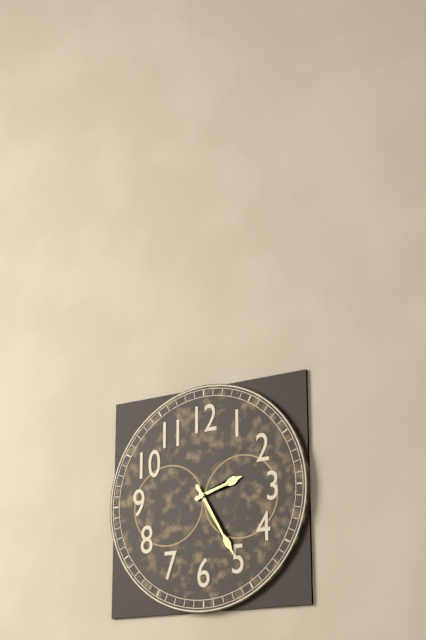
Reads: 2,25
